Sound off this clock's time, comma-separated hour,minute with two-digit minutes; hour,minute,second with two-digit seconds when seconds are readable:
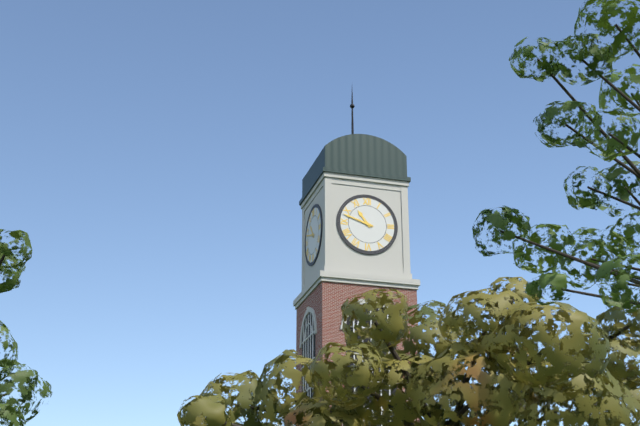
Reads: 10,48
